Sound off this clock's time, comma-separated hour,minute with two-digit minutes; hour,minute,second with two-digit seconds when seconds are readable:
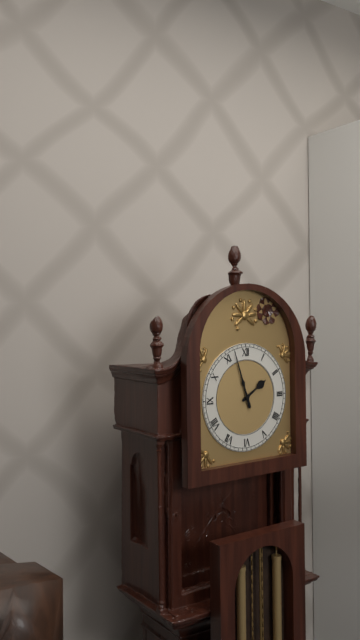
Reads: 1,57
